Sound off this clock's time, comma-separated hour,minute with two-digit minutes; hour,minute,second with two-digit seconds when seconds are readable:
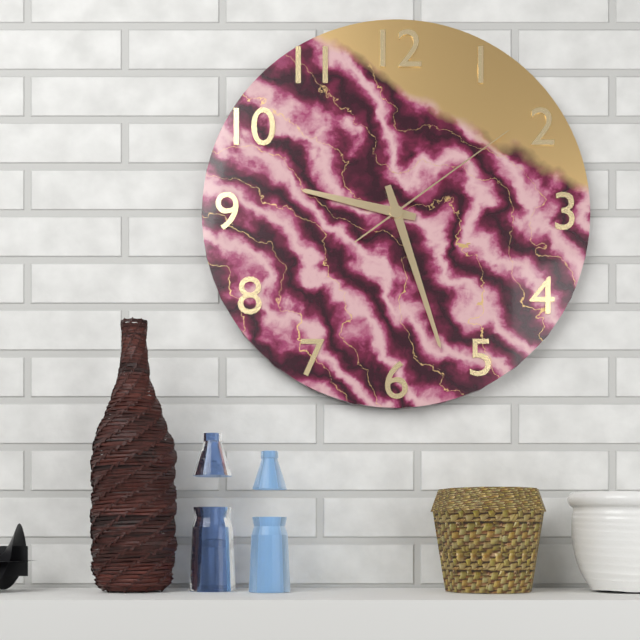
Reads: 9,27,09
